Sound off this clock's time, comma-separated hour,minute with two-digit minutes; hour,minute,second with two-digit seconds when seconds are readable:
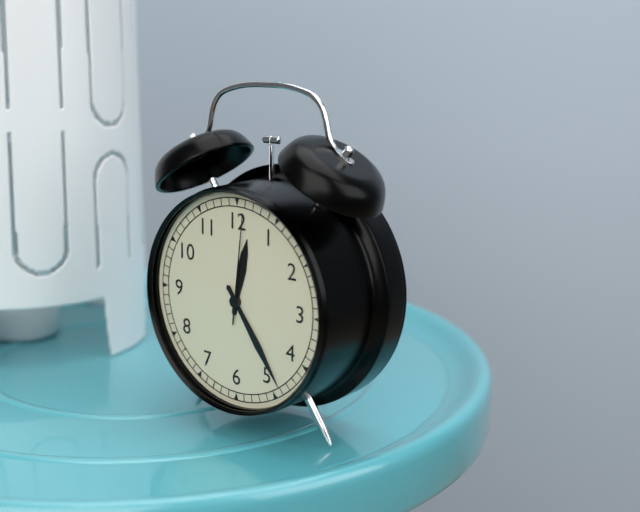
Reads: 12,24,01
